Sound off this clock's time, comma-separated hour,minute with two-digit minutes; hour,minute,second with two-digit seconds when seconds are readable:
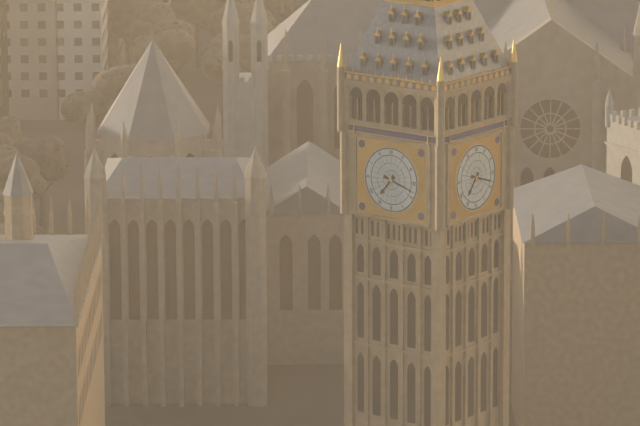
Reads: 7,18
